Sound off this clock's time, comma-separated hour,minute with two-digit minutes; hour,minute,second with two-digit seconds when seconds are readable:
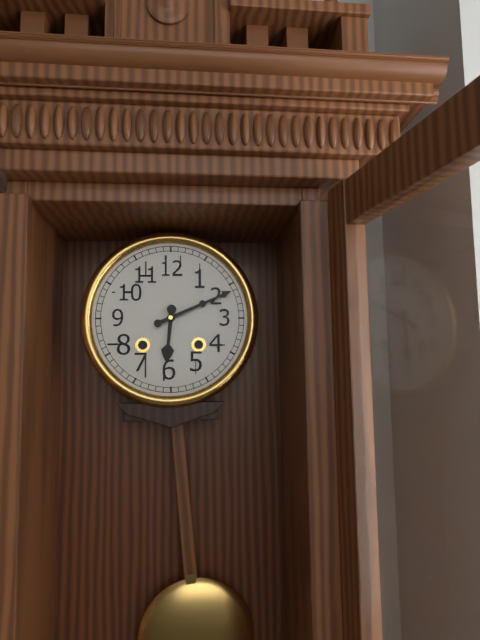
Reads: 6,11
